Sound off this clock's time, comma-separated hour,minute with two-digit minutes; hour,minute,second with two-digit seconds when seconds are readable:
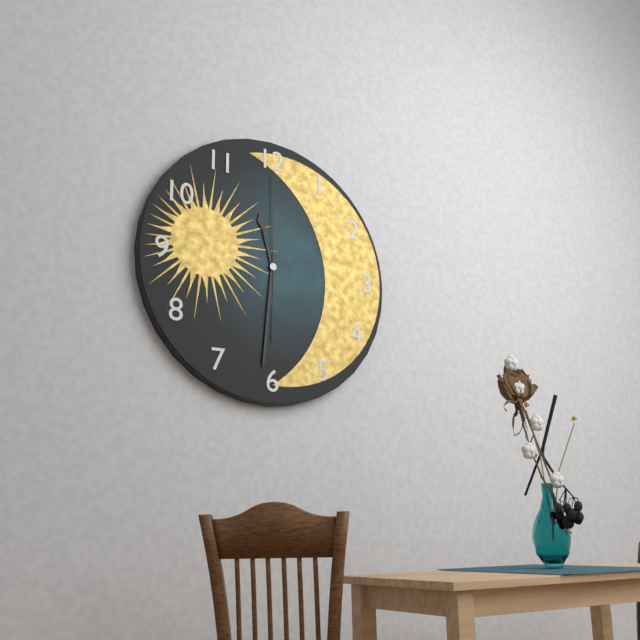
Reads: 11,31,00
